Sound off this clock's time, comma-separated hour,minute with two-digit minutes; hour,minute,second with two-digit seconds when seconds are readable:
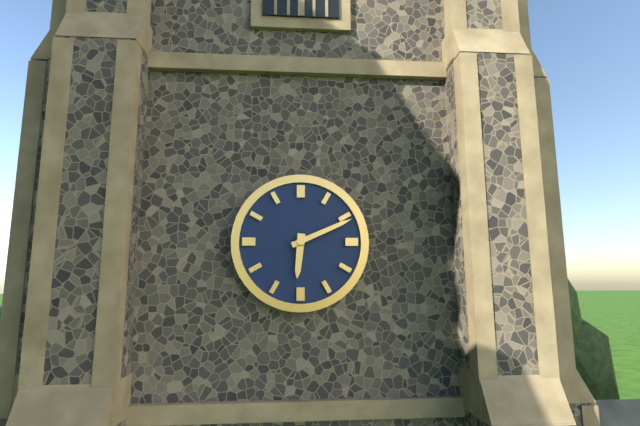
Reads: 6,11
